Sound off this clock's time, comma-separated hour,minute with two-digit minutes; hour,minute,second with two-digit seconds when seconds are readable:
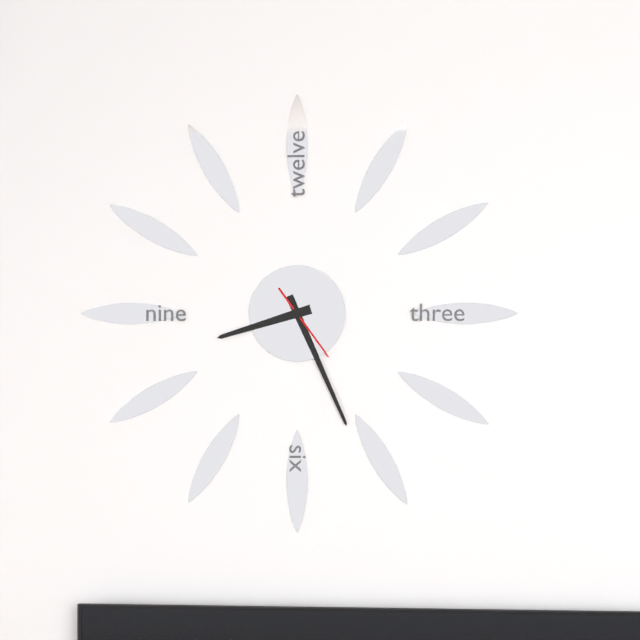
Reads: 8,26,24
